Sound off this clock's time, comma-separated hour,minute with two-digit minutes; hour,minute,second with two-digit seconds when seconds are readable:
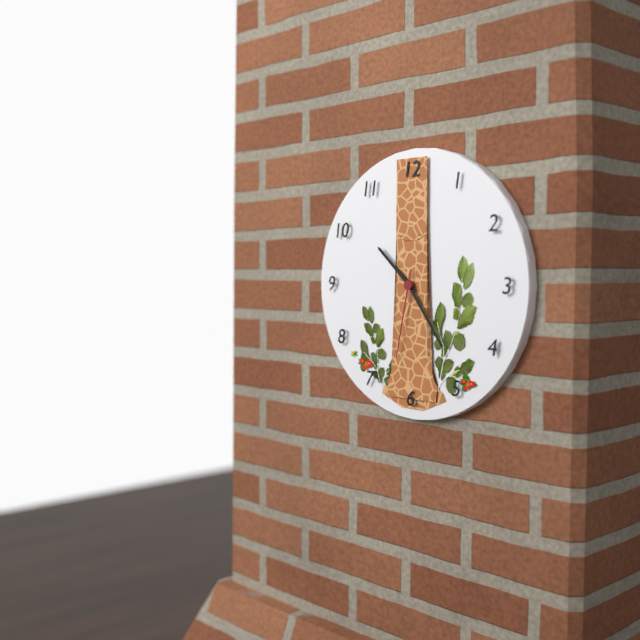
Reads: 10,24,32
